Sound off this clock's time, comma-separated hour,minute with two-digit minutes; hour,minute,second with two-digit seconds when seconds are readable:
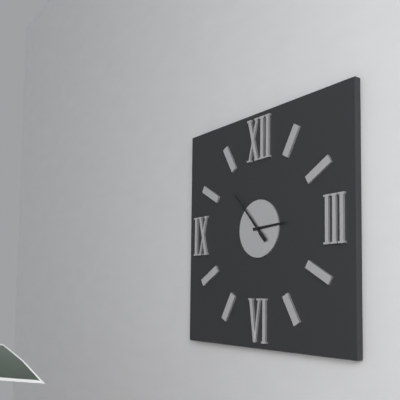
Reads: 2,53
